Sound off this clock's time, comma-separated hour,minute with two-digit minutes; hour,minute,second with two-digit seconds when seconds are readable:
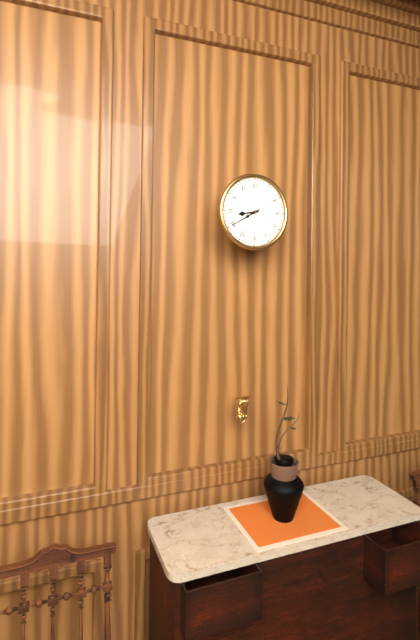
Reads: 8,40
